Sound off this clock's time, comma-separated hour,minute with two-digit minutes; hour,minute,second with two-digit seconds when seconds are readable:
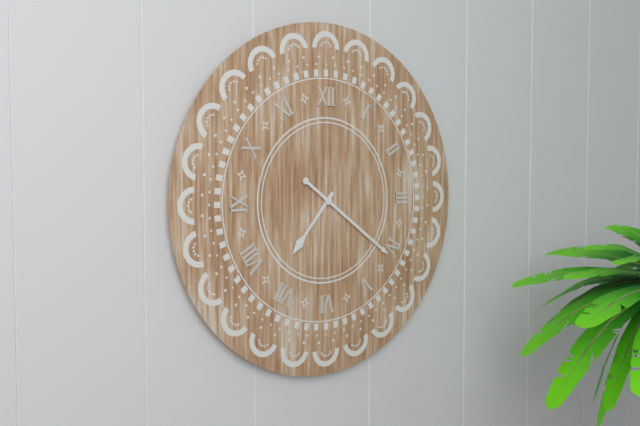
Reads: 7,21
